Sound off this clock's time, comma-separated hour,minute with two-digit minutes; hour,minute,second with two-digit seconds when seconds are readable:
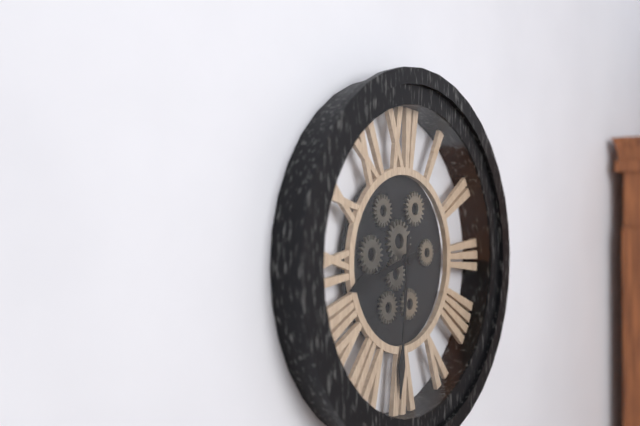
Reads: 8,31
